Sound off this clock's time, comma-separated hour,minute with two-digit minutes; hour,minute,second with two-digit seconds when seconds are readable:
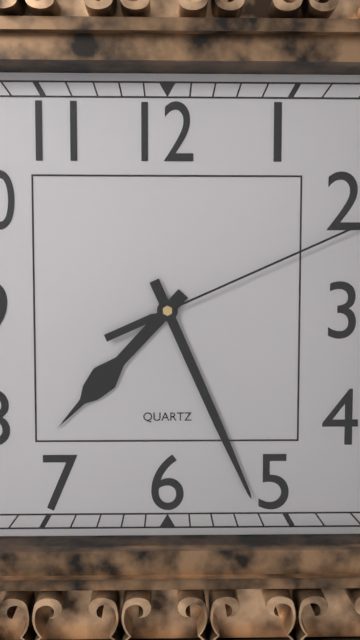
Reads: 7,26
